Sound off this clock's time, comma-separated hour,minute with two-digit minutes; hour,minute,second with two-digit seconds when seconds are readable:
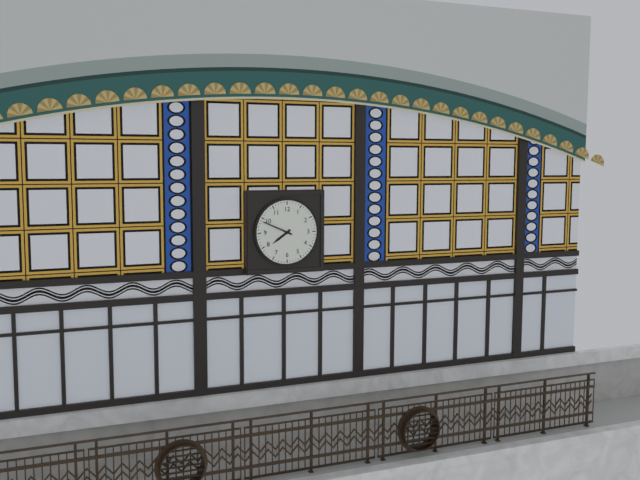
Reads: 7,49
